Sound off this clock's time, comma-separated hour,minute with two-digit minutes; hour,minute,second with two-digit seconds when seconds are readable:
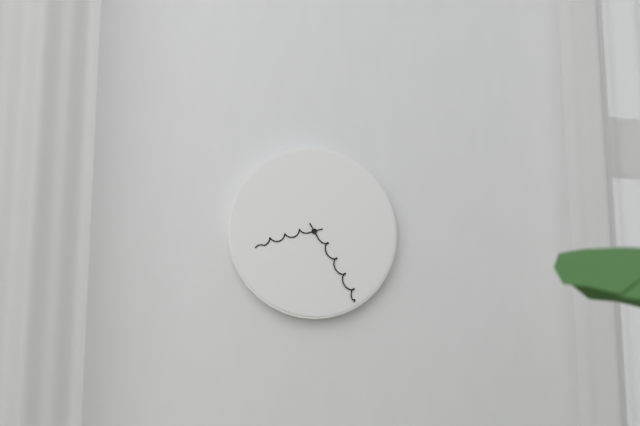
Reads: 8,25
